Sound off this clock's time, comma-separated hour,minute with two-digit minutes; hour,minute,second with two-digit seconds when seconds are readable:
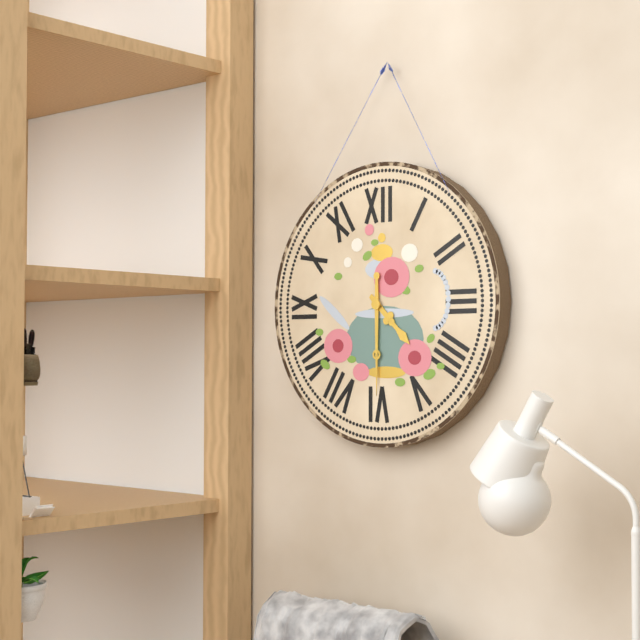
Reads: 4,30
